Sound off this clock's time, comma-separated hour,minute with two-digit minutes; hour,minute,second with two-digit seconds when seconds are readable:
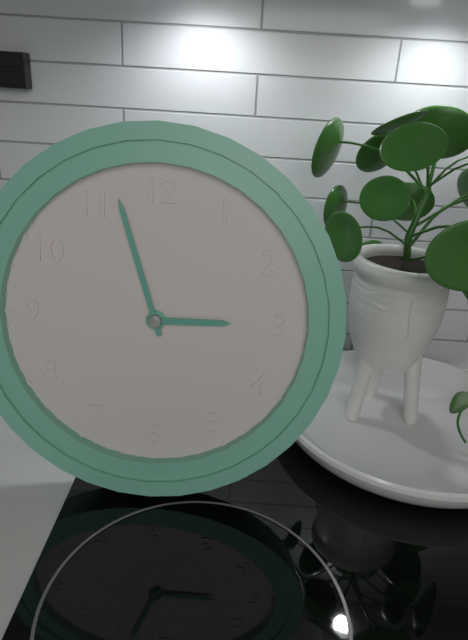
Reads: 2,57
